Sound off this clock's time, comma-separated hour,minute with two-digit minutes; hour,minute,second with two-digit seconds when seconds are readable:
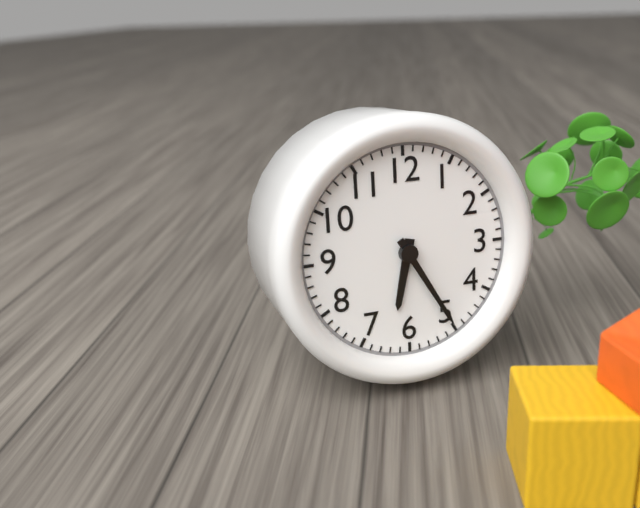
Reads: 6,25
